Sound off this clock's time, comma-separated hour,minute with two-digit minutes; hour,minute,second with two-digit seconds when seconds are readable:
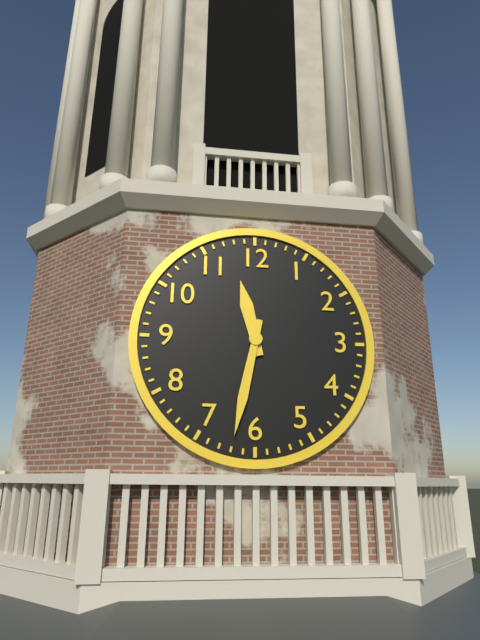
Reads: 11,32
